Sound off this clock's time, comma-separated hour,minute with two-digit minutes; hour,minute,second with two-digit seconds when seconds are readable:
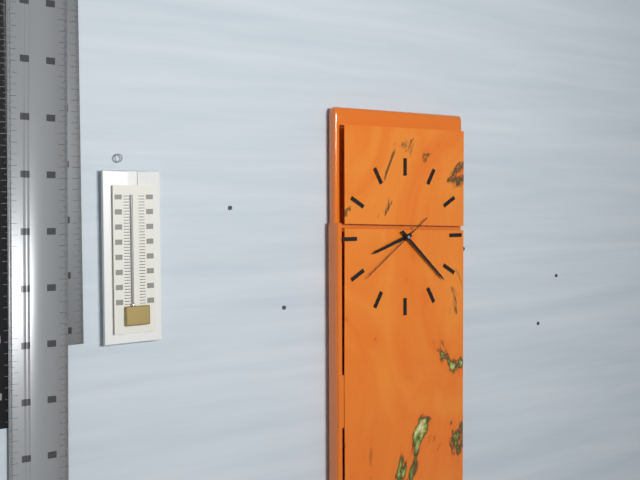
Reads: 8,22,39
